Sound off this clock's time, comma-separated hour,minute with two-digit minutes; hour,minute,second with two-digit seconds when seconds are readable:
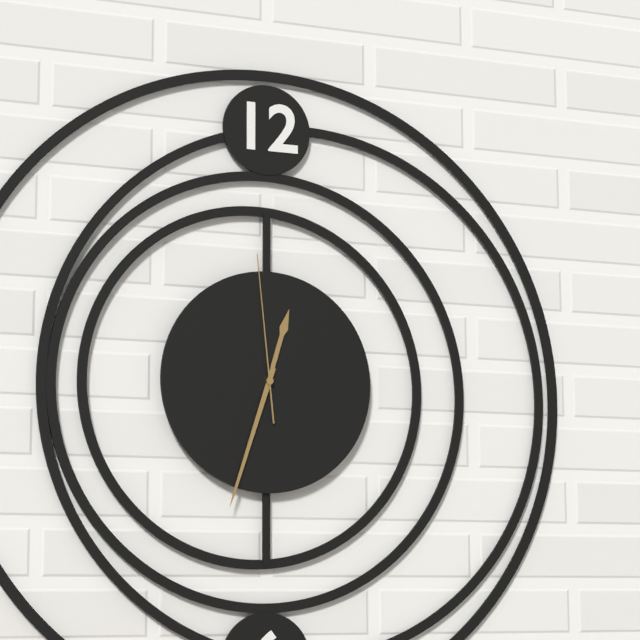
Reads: 12,33,59
